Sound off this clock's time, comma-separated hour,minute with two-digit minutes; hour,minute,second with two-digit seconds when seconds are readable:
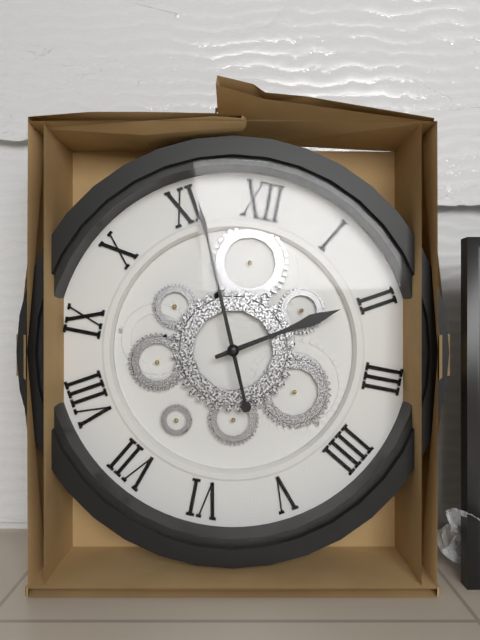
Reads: 1,56
